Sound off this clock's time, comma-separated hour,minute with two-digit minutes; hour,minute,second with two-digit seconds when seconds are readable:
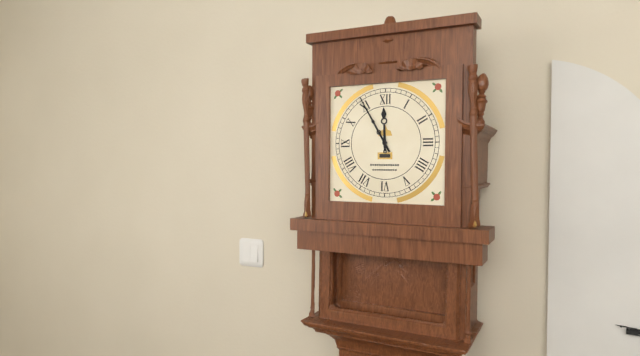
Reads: 11,55
